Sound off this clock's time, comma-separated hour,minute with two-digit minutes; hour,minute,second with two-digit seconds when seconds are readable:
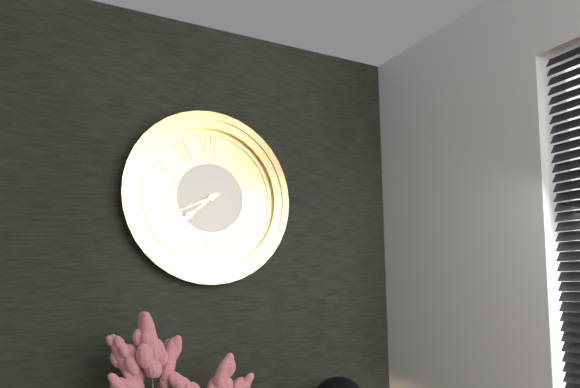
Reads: 7,41
